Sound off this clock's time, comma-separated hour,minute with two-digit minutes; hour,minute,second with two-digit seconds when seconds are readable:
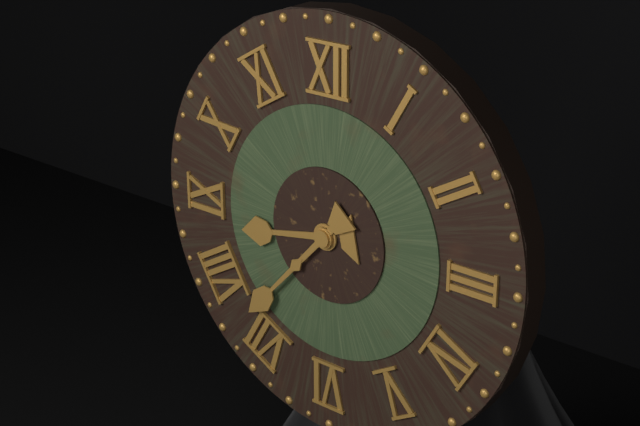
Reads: 8,37
